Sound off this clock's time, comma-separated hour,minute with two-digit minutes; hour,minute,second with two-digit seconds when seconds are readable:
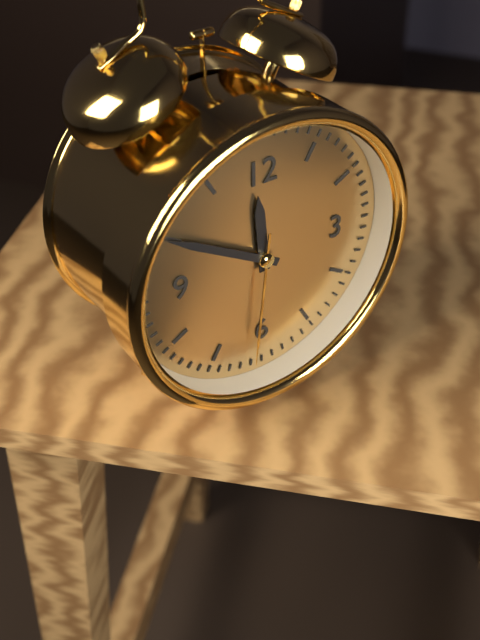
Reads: 11,50,31
